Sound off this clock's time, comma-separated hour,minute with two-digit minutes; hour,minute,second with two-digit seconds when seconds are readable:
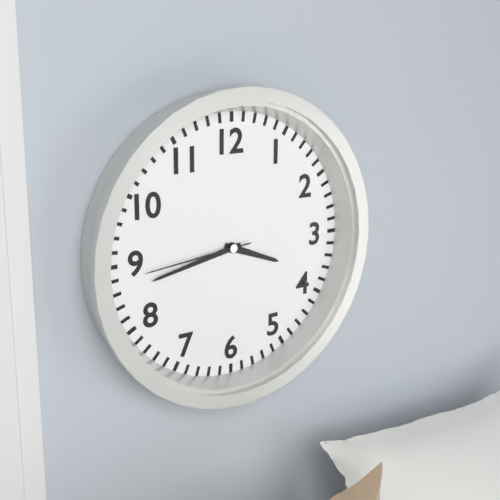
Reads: 3,43,44
